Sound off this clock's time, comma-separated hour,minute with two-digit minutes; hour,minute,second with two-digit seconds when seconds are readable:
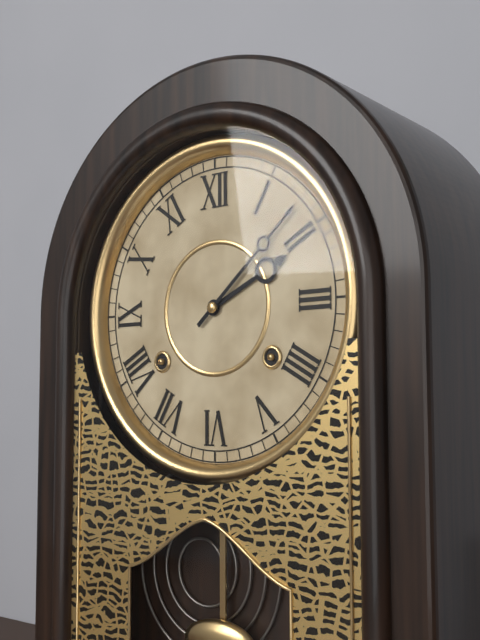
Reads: 2,08
